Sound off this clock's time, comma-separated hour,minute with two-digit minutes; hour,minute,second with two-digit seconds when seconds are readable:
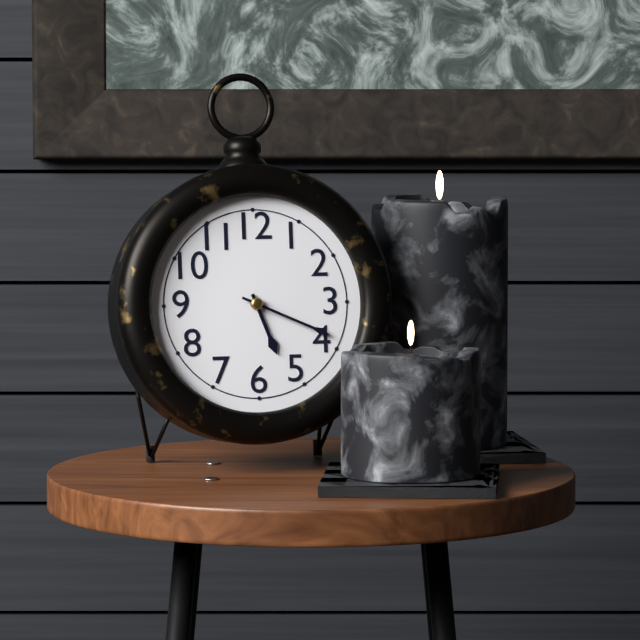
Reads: 5,19
